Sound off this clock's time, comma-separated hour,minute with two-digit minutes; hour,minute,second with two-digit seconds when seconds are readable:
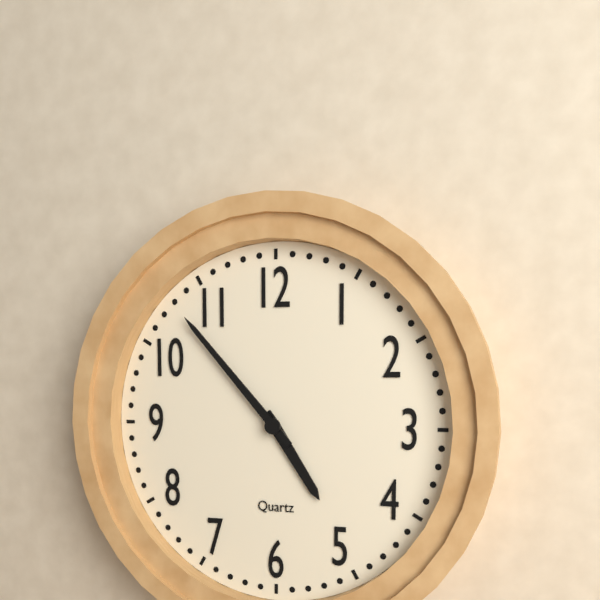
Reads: 4,53
